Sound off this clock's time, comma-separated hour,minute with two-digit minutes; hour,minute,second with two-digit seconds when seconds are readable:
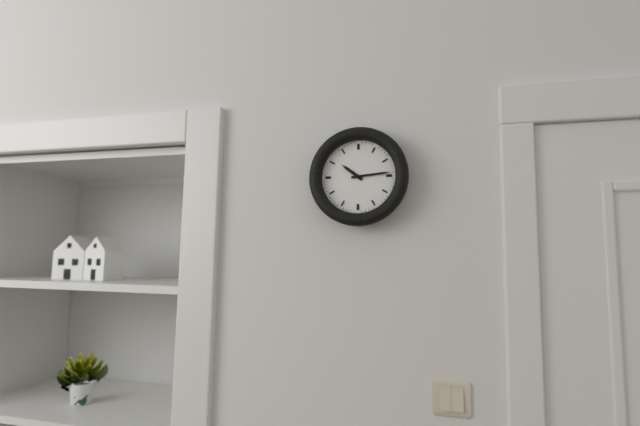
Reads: 10,14
